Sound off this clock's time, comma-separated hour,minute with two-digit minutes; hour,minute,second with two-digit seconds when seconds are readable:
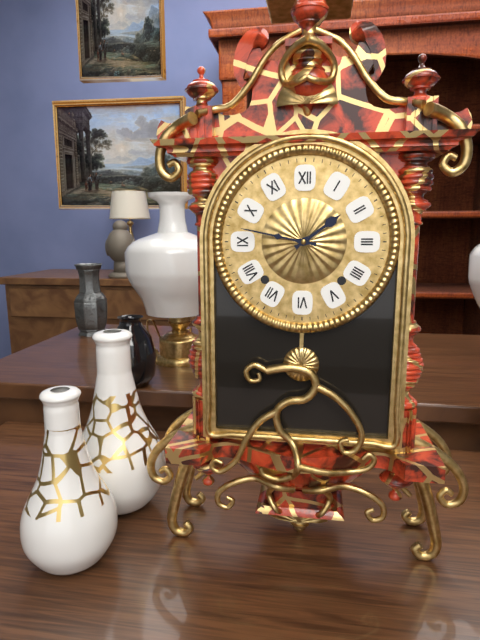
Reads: 1,47
